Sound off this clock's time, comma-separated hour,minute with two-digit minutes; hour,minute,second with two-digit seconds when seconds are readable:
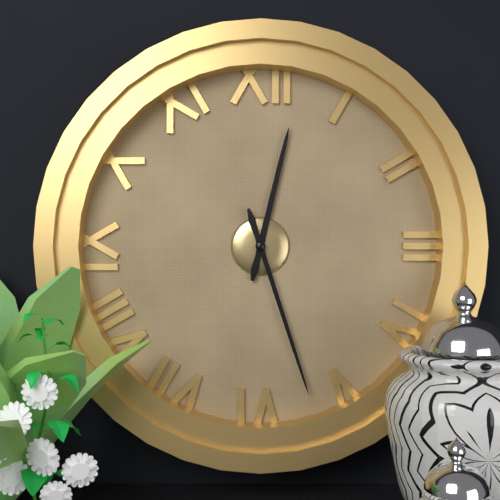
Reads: 12,27
